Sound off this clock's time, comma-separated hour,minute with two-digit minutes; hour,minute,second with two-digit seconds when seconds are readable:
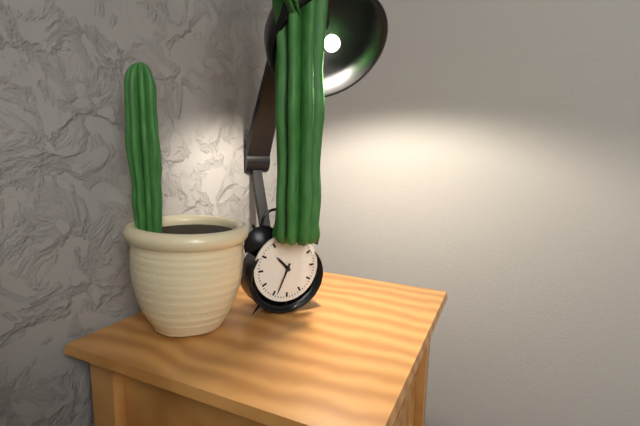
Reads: 10,34
